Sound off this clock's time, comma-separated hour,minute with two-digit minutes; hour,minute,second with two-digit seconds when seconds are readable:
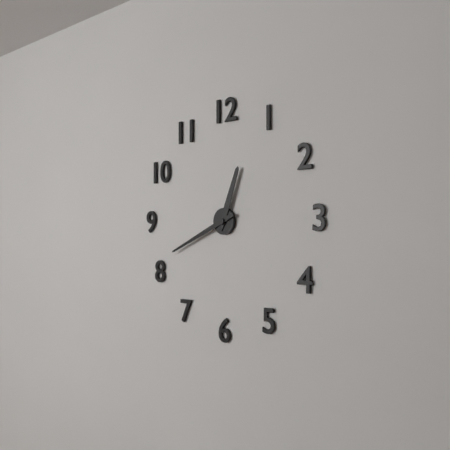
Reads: 12,41
